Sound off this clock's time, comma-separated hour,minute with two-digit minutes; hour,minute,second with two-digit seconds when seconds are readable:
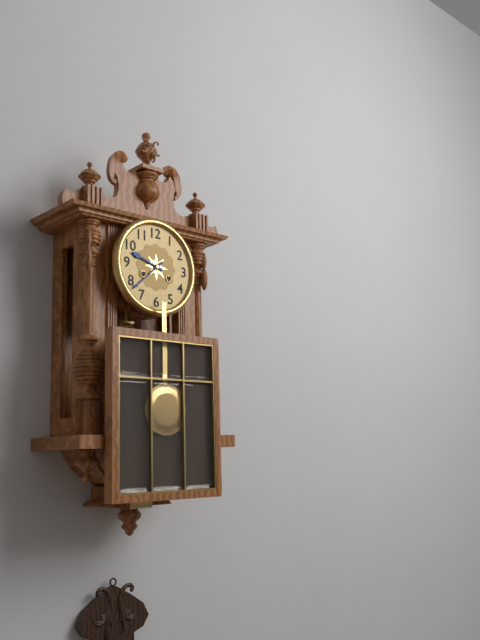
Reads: 9,38
